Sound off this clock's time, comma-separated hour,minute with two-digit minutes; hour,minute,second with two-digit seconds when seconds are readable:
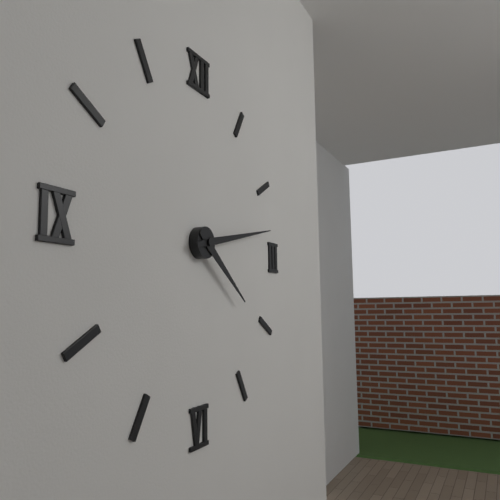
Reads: 4,13
